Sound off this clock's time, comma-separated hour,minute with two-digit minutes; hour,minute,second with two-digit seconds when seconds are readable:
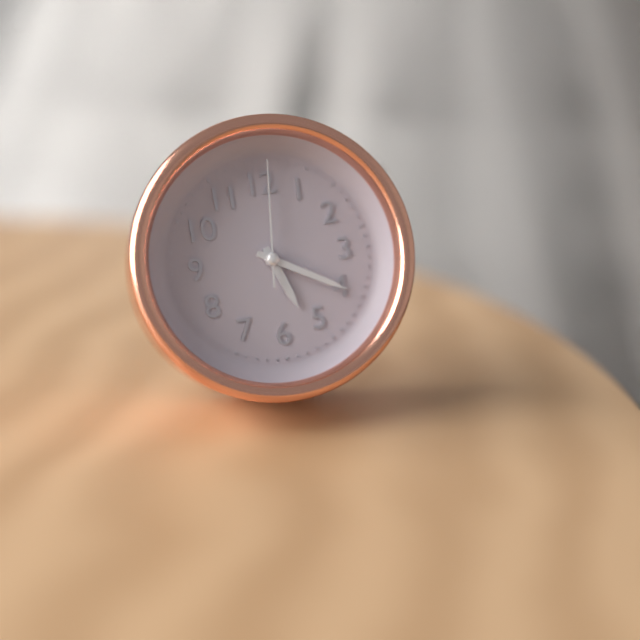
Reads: 5,20,01
